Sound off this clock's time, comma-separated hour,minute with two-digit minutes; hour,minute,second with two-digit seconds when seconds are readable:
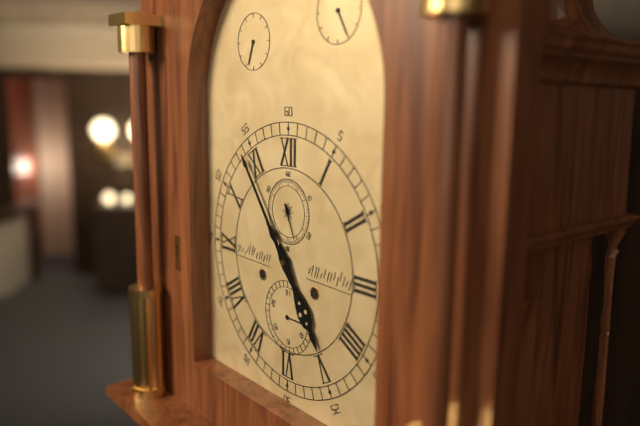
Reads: 4,54
